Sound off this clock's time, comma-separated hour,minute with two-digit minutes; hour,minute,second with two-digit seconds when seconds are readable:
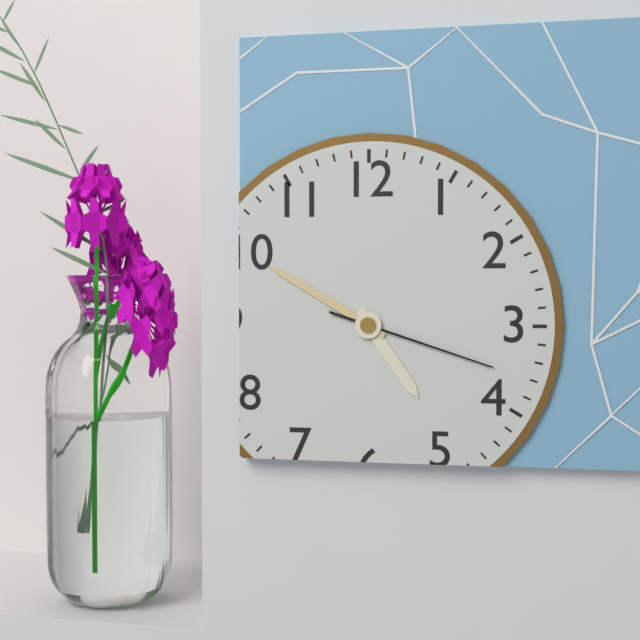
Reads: 4,50,18
